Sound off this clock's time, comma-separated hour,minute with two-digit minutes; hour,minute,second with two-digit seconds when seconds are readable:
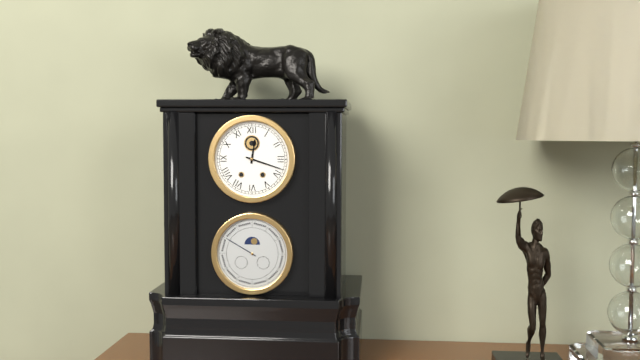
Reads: 12,18
